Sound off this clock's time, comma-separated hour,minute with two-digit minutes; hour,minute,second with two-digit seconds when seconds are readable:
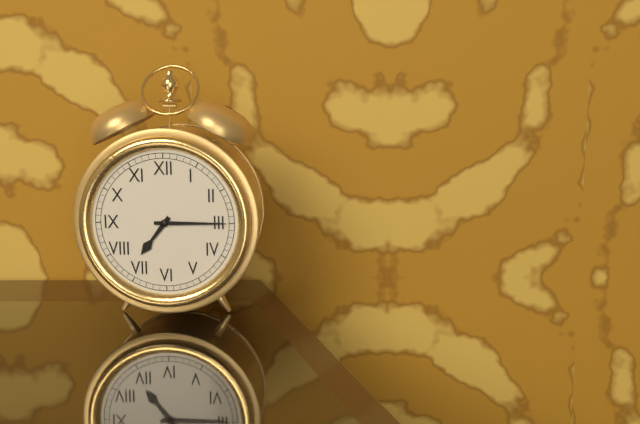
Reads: 7,15
